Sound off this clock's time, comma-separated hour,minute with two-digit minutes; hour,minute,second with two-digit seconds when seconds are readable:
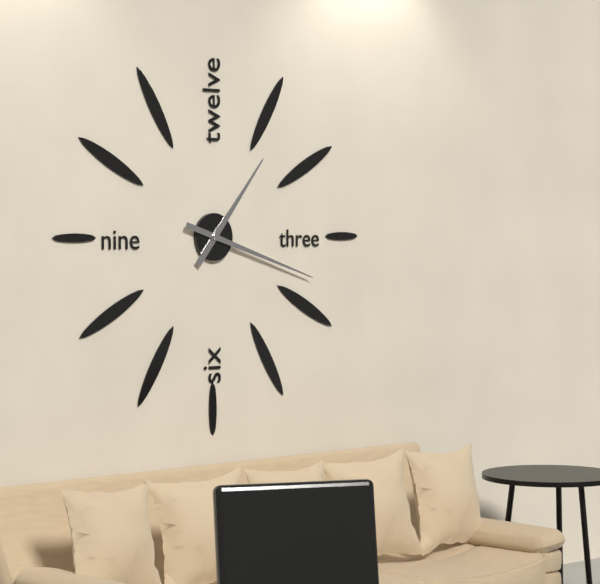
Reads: 1,18
